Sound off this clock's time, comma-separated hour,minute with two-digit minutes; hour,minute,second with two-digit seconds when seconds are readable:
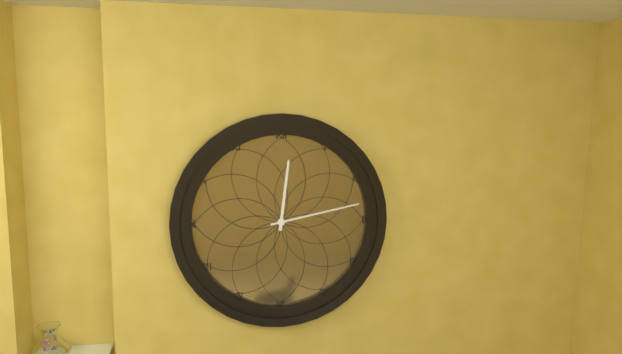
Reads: 12,13
